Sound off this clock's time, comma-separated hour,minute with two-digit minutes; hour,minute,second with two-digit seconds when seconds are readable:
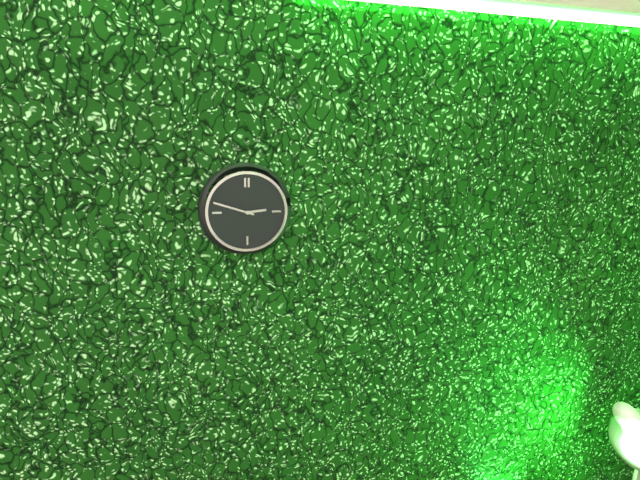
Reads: 2,48
